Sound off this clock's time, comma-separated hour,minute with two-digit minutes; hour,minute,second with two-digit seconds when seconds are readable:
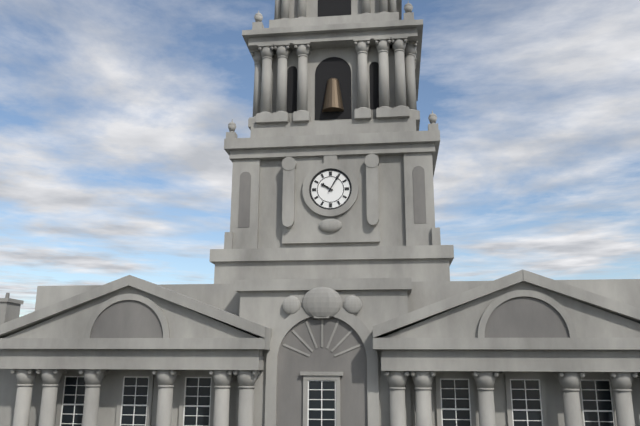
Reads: 10,05
